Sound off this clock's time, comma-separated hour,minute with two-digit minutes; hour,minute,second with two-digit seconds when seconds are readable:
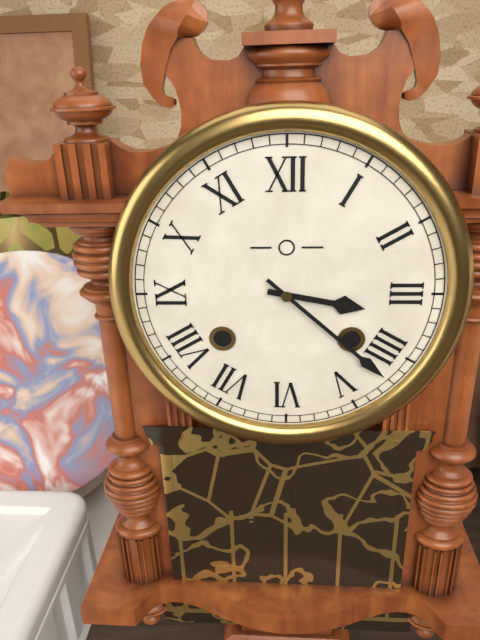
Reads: 3,22
